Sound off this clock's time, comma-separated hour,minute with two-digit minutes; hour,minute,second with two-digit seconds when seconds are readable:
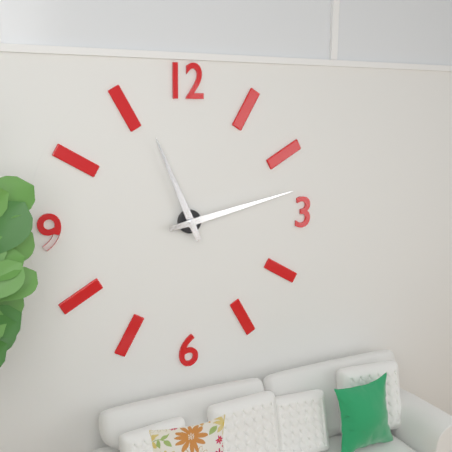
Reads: 11,13
